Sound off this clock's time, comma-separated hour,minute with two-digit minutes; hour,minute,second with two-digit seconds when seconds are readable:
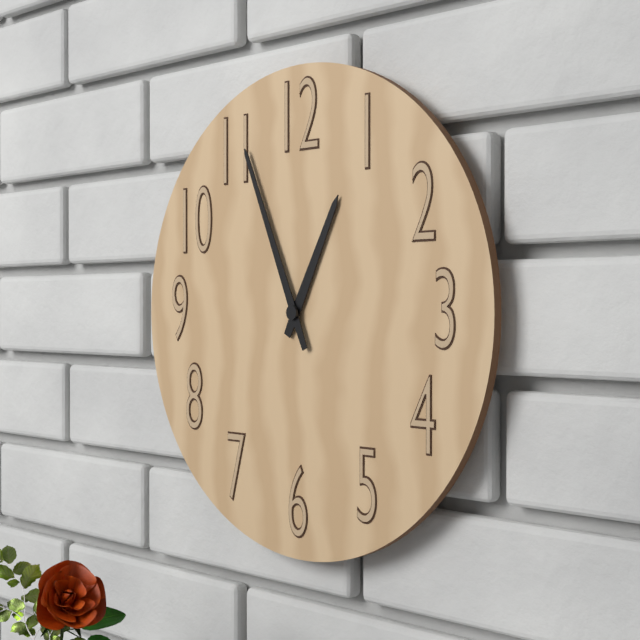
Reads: 12,56
